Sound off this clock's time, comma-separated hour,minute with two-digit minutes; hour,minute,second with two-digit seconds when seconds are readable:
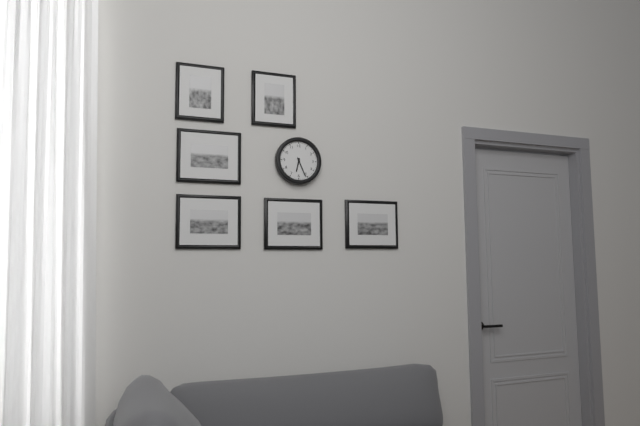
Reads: 6,26
